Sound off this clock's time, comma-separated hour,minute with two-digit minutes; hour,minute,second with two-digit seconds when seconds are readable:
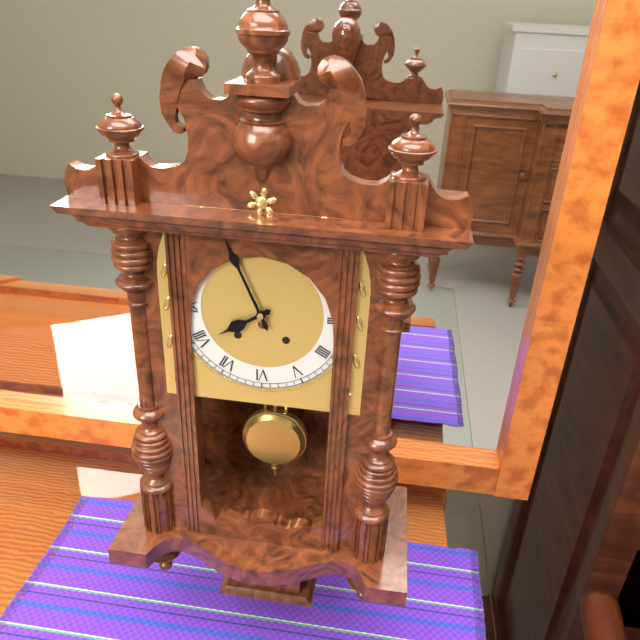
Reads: 7,56
